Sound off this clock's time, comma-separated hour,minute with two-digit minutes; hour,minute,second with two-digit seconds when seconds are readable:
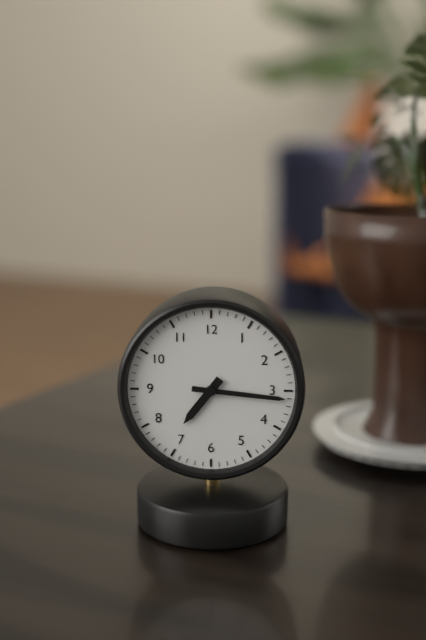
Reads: 7,16
